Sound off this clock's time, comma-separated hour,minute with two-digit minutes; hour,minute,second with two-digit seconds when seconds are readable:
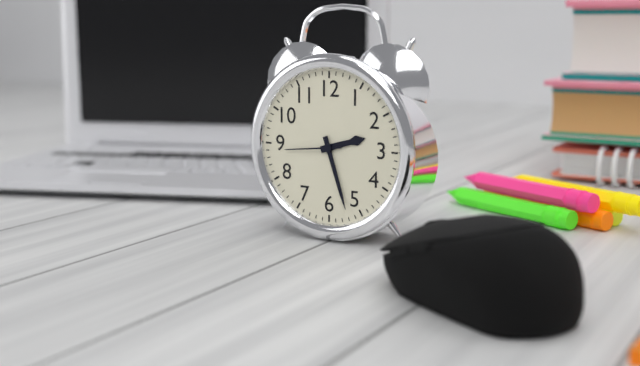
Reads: 2,27,44
